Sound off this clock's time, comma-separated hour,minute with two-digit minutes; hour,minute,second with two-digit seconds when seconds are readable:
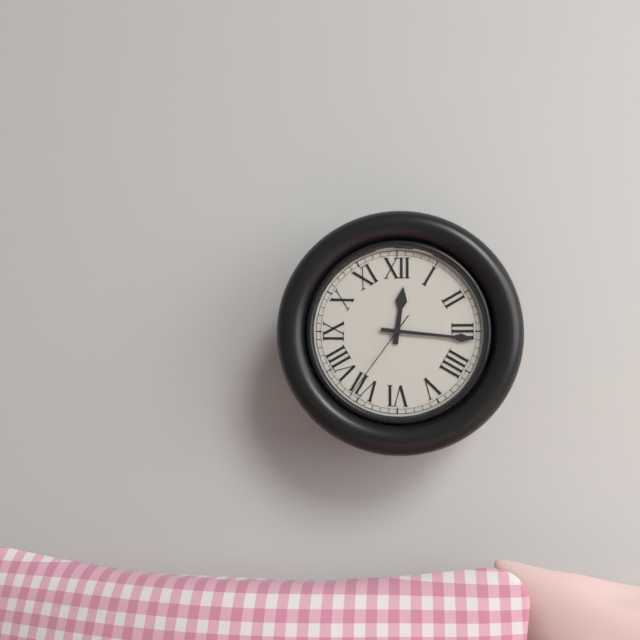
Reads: 12,16,36
